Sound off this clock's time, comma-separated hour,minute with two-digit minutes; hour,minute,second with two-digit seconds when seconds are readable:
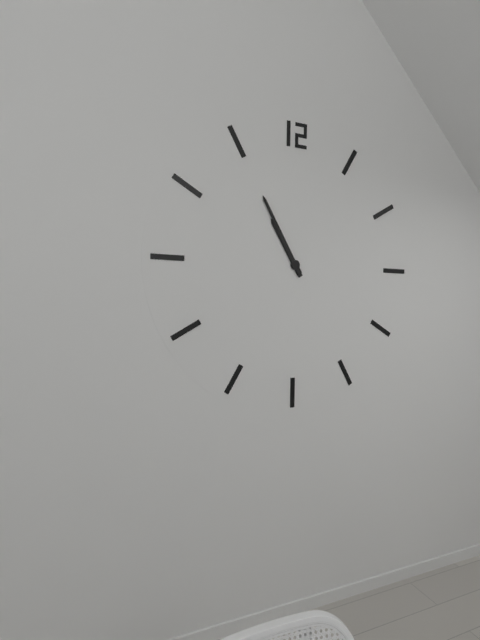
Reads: 10,55
